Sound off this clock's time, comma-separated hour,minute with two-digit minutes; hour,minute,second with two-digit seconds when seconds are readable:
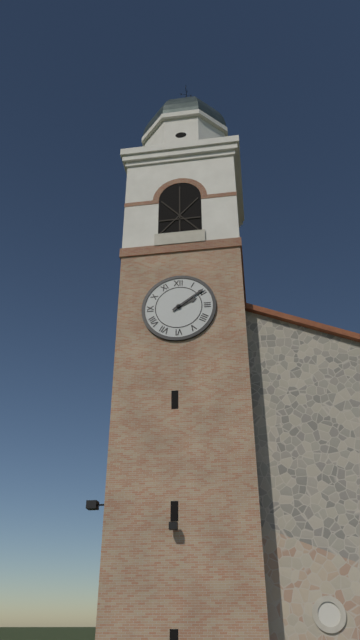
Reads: 2,09
